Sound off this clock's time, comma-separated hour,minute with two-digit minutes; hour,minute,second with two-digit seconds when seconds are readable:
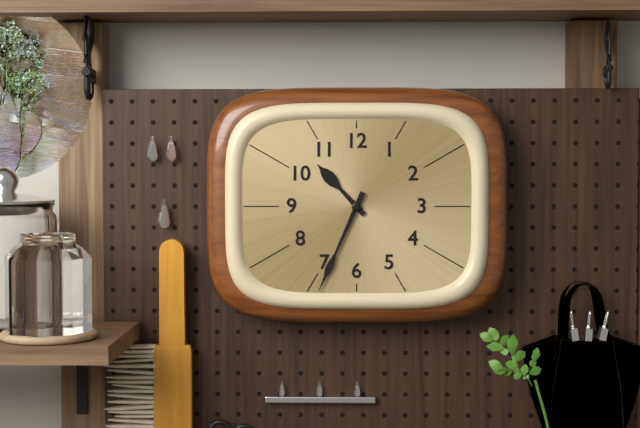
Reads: 10,34
